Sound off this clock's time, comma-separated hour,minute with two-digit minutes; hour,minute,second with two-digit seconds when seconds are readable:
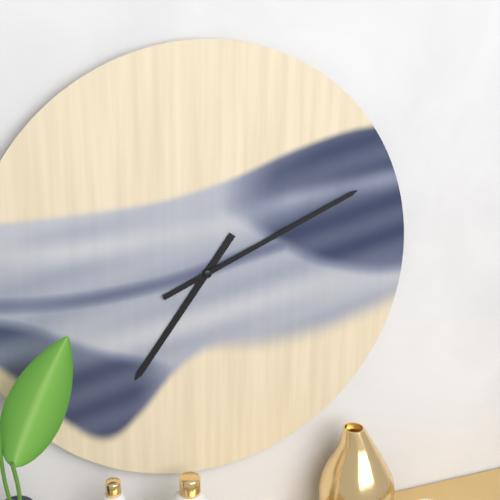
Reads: 7,11
